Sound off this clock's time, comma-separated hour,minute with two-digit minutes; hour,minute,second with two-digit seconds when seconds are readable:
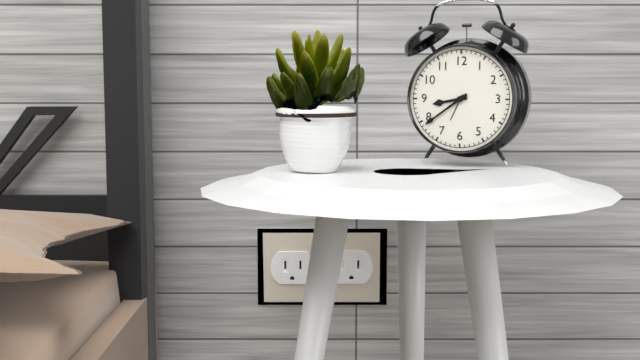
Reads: 8,39
